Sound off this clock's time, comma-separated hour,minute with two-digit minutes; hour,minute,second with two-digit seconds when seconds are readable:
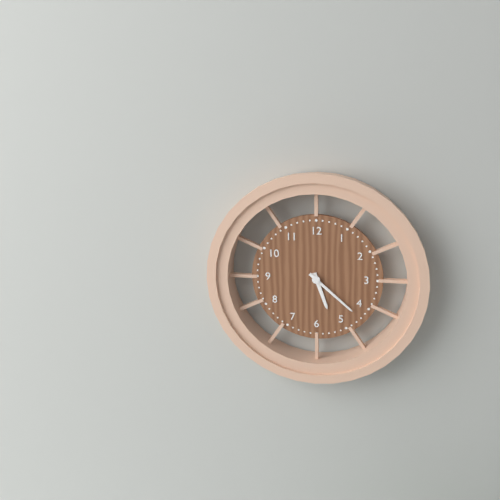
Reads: 5,22
